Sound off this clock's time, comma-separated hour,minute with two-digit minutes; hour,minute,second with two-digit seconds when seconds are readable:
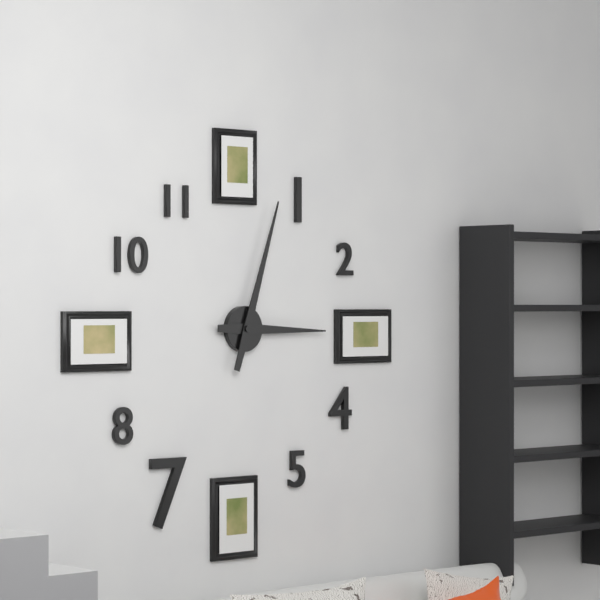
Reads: 3,03
